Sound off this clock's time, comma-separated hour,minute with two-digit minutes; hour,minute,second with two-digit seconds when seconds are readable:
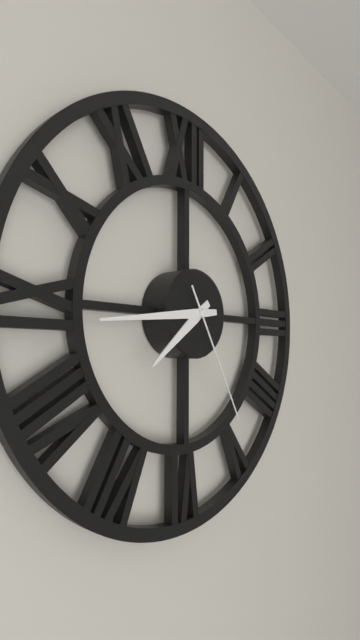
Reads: 7,44,25
